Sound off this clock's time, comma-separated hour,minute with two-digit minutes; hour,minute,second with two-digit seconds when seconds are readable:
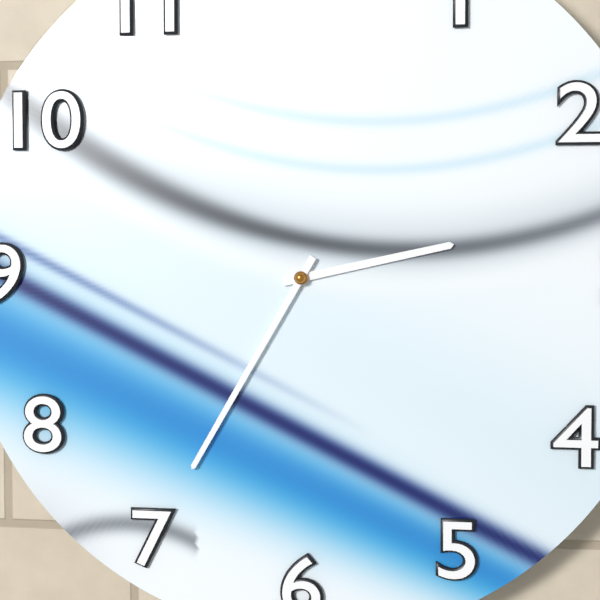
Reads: 2,35
